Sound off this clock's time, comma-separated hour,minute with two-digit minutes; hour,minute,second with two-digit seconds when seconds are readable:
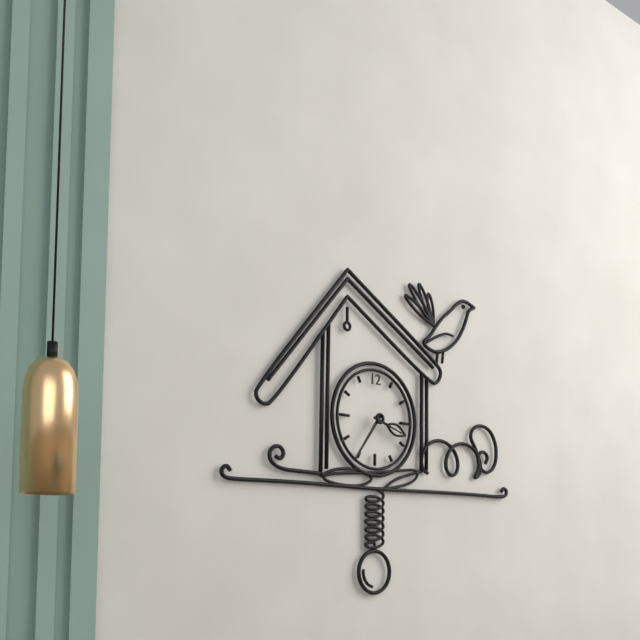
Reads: 3,36
